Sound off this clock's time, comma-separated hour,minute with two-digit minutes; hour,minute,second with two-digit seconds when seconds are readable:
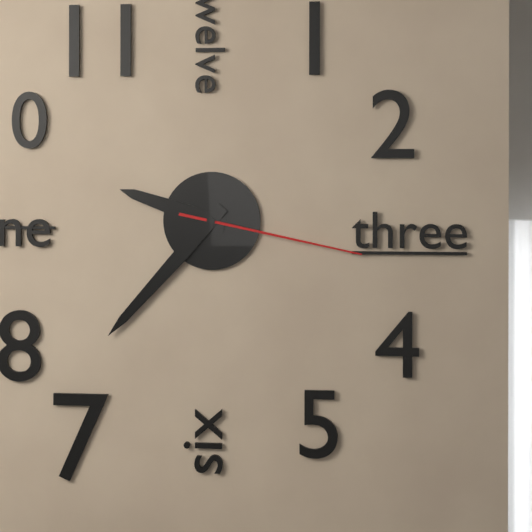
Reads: 9,37,17
